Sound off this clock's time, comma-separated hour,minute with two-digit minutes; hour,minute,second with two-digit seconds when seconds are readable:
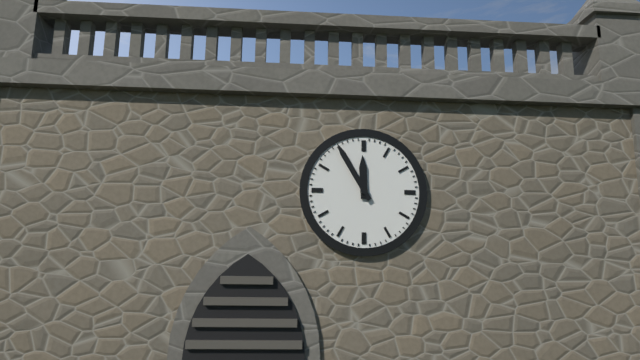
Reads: 11,55
